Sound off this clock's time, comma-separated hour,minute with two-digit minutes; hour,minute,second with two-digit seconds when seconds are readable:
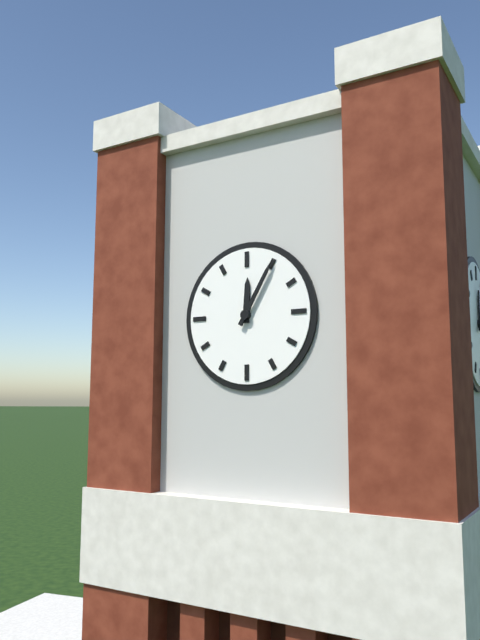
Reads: 12,05
